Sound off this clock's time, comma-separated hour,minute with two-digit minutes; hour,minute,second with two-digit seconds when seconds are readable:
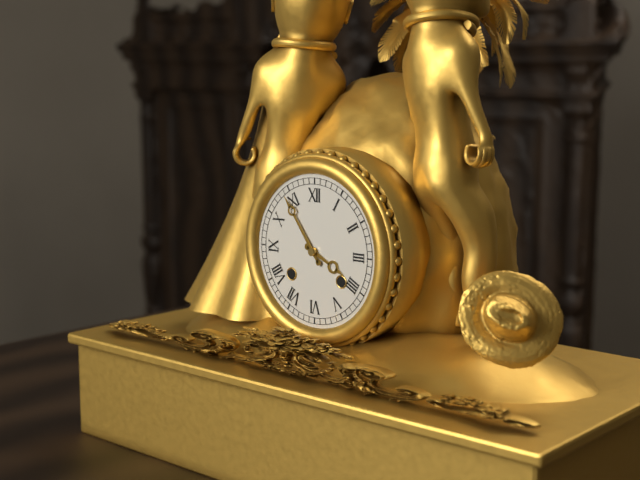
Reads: 3,54
